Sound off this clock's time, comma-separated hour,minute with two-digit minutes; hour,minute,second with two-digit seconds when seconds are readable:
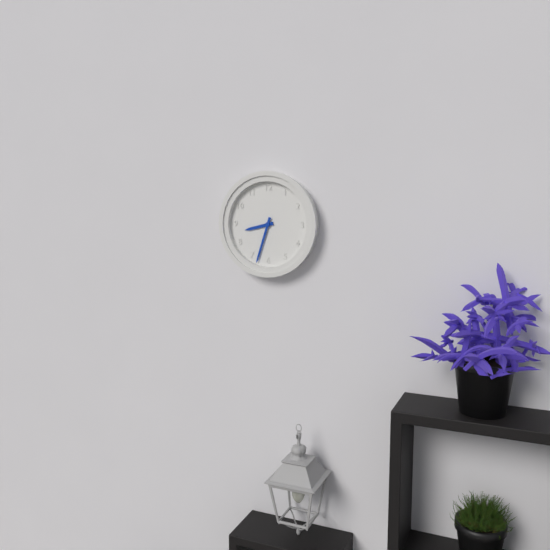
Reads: 8,33
